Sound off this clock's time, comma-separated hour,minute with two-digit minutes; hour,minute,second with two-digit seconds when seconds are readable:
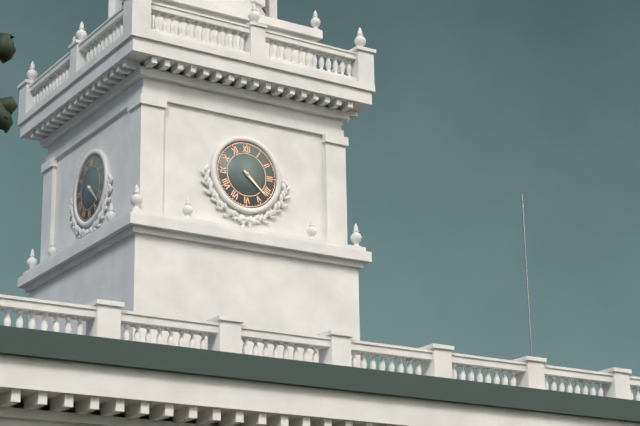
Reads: 4,22
